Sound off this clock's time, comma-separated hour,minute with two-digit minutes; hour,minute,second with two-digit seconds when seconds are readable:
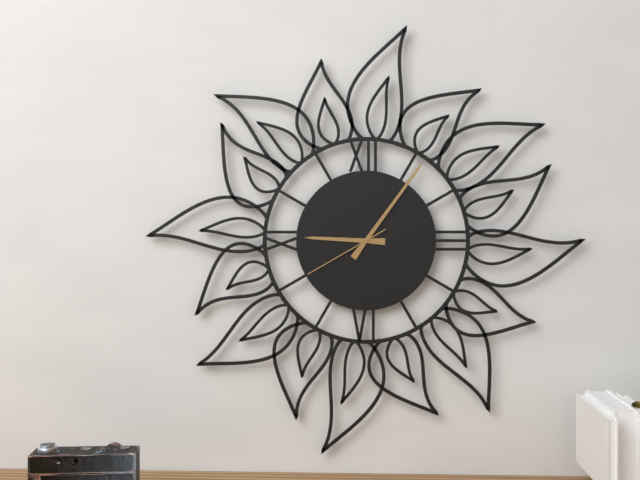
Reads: 9,06,40
